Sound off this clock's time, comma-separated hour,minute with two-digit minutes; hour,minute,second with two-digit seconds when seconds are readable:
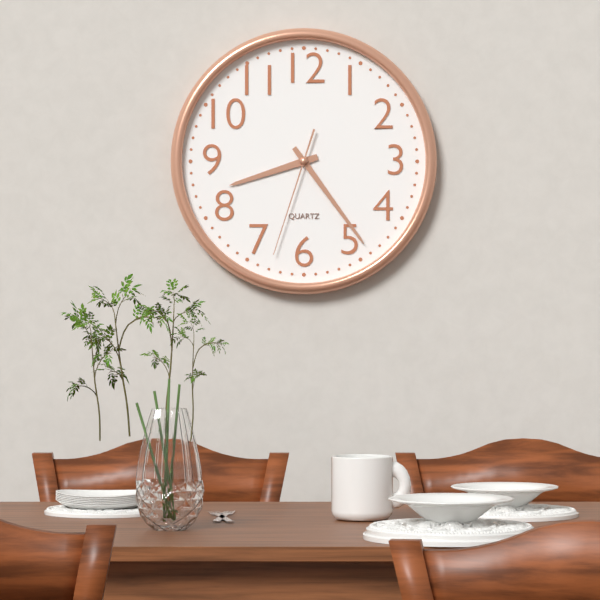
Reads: 8,24,33
